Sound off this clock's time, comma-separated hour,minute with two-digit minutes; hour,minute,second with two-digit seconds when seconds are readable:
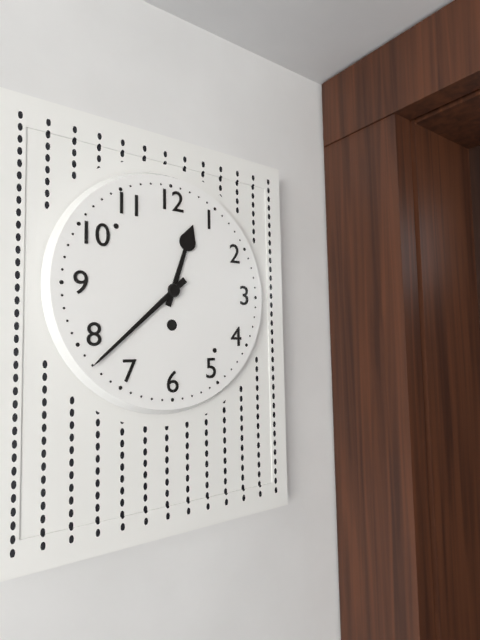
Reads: 12,38
